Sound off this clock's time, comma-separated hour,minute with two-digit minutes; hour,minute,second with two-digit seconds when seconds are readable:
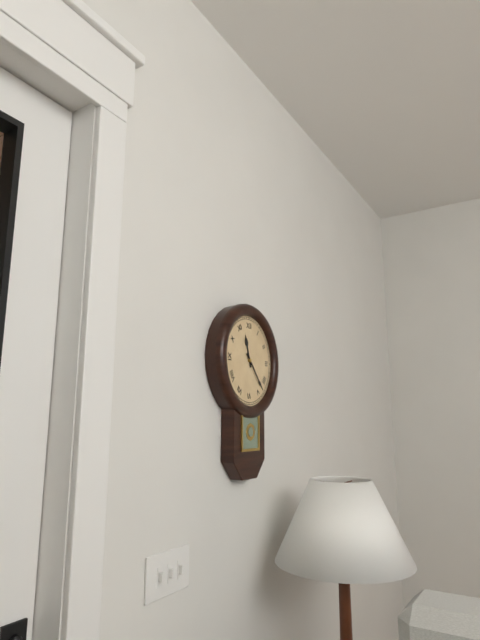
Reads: 11,23
